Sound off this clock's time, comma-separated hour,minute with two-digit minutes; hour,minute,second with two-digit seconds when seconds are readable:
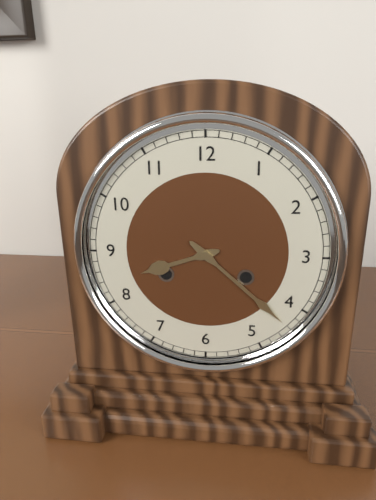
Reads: 8,22
